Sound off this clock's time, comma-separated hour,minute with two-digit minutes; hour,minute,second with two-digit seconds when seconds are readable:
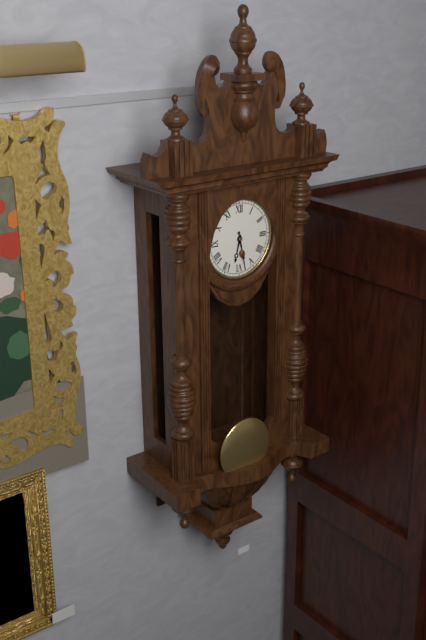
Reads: 6,28
